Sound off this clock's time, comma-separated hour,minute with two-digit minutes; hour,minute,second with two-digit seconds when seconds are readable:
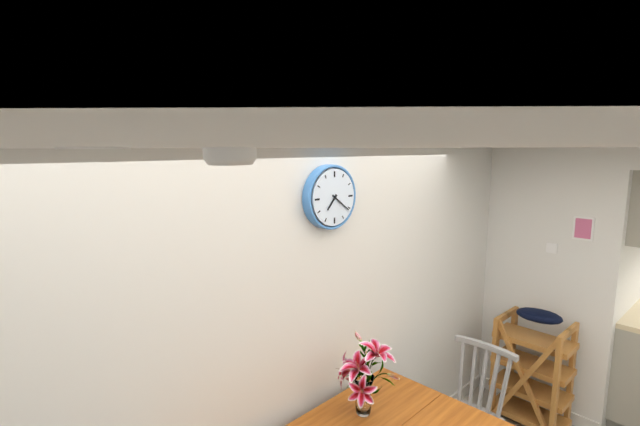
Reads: 7,21
